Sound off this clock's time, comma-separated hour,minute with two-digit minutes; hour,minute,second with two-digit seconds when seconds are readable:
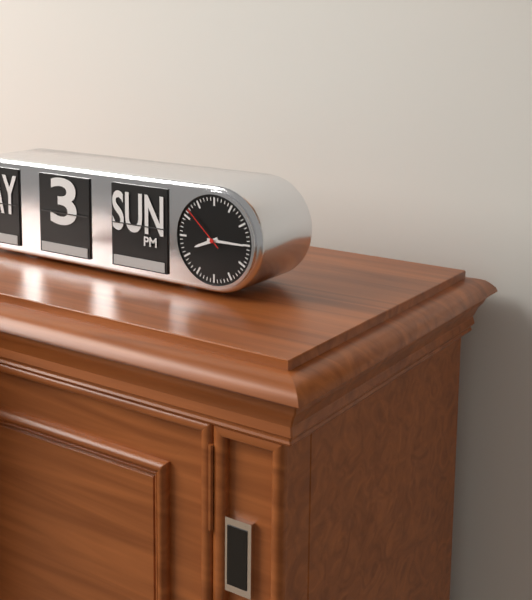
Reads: 8,15,52
